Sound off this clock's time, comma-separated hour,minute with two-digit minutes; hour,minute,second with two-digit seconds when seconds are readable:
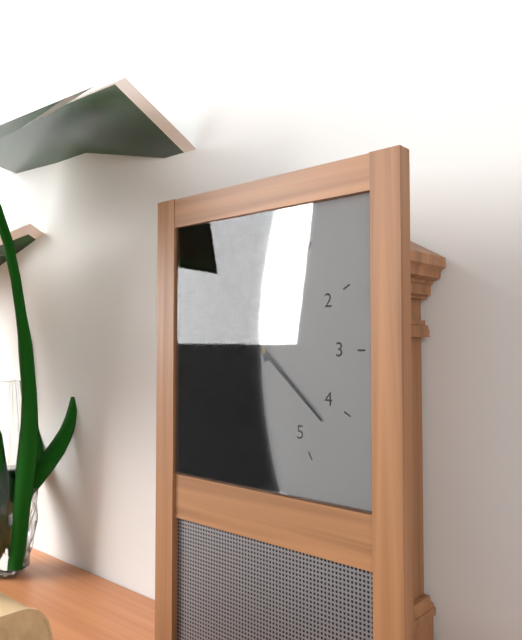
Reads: 11,22
